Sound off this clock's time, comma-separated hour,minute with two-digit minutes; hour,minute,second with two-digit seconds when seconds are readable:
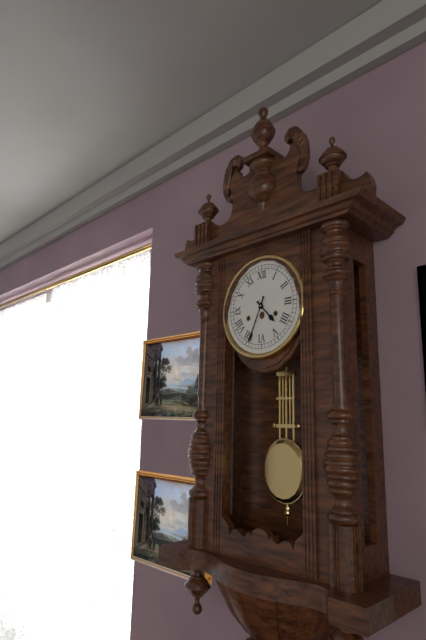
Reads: 4,34
